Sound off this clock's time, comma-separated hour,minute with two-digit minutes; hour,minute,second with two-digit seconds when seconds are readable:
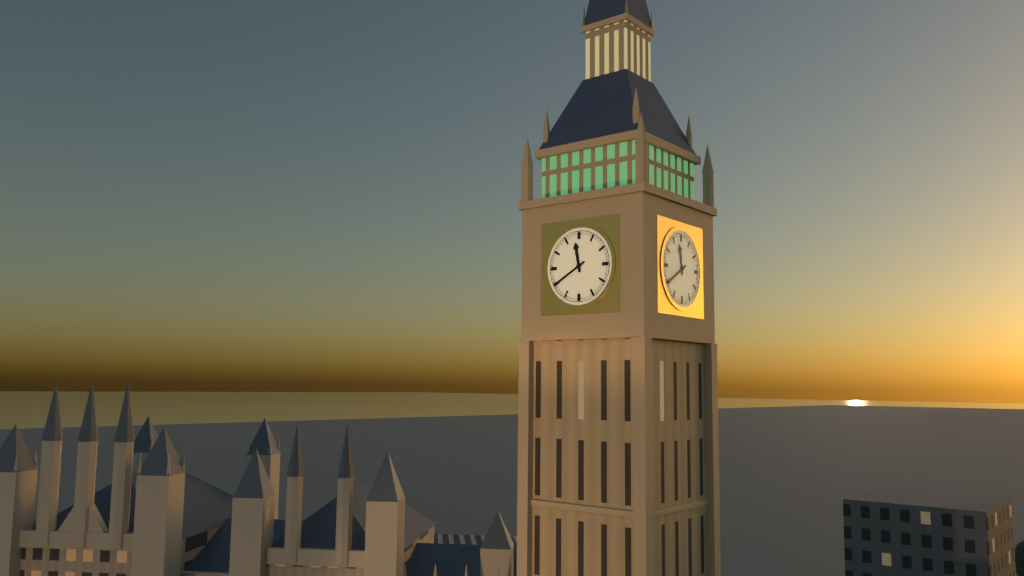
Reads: 11,40
